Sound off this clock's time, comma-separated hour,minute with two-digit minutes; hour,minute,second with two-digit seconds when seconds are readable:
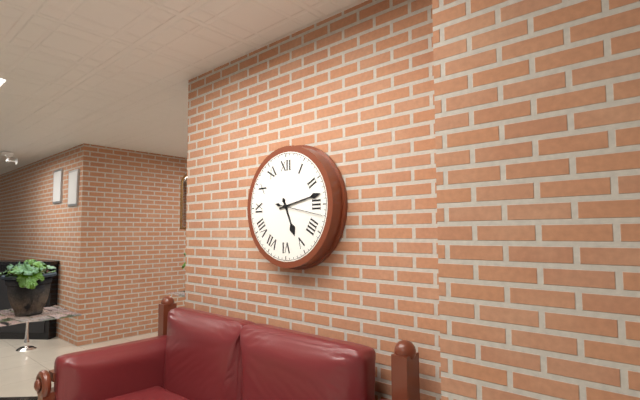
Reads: 5,13
